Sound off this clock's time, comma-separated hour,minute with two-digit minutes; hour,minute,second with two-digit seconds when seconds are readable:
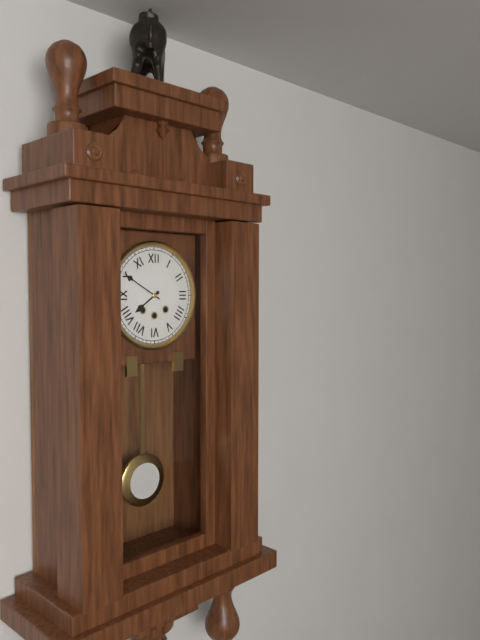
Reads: 7,50
